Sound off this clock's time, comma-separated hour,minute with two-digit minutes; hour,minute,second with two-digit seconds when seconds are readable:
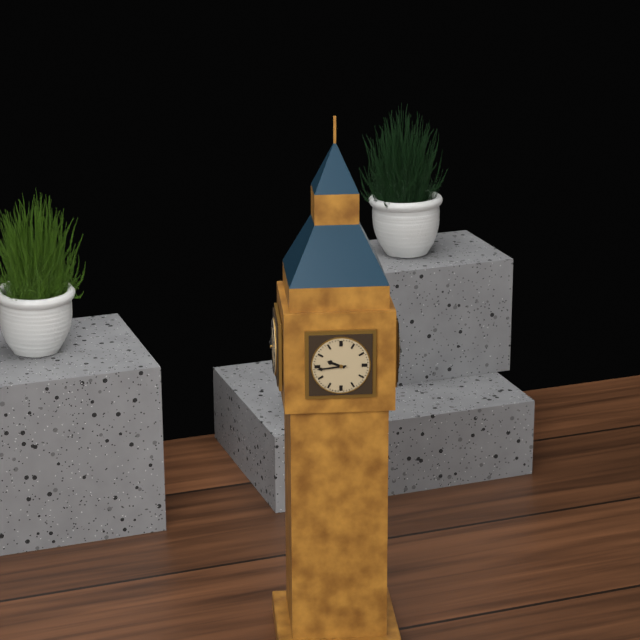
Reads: 9,44
